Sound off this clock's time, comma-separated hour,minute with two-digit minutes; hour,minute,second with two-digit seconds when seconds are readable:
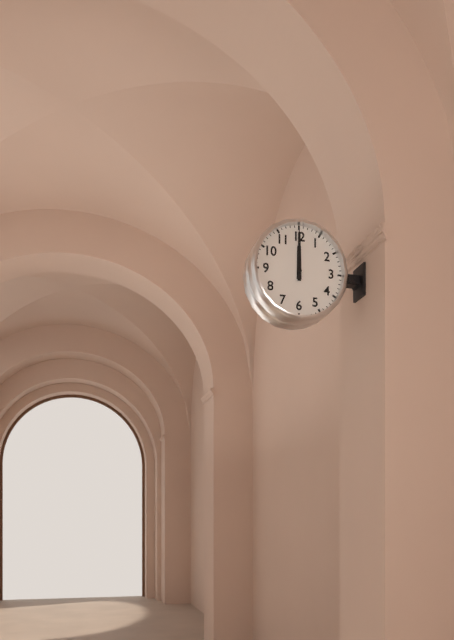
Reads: 12,00
